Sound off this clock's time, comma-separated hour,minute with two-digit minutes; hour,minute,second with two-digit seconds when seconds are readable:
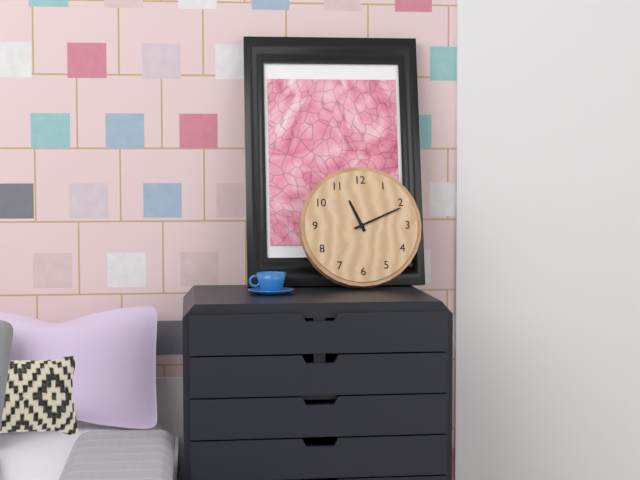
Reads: 11,11
